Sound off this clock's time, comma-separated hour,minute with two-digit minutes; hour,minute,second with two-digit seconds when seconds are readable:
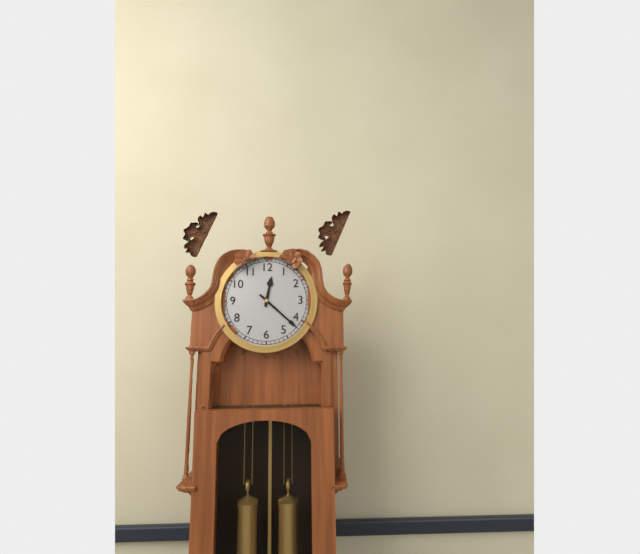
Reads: 12,22
